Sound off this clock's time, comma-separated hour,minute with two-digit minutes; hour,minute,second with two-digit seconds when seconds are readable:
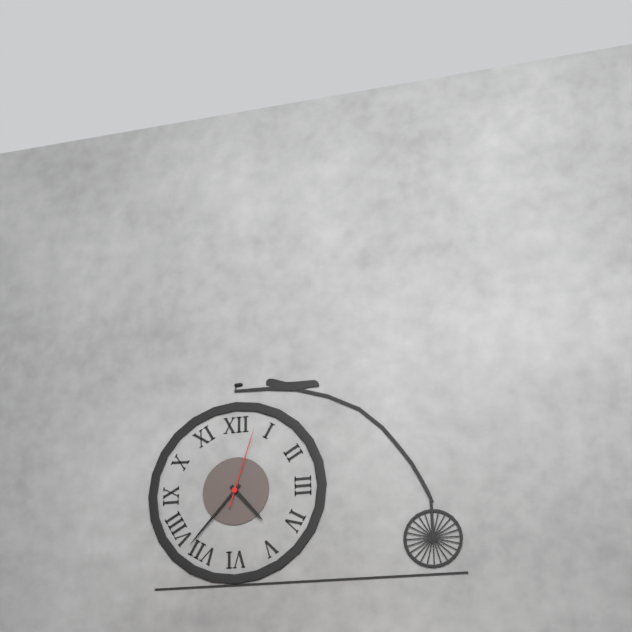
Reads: 4,37,03
